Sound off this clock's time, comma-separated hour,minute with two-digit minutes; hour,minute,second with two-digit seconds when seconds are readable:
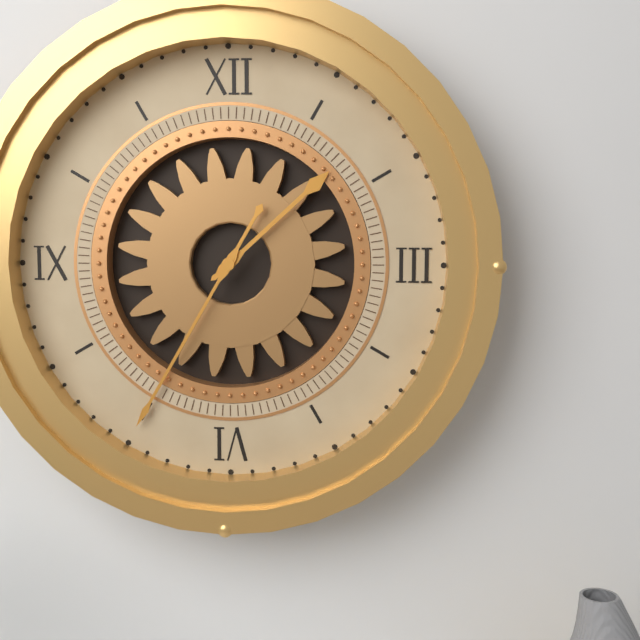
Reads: 1,35
